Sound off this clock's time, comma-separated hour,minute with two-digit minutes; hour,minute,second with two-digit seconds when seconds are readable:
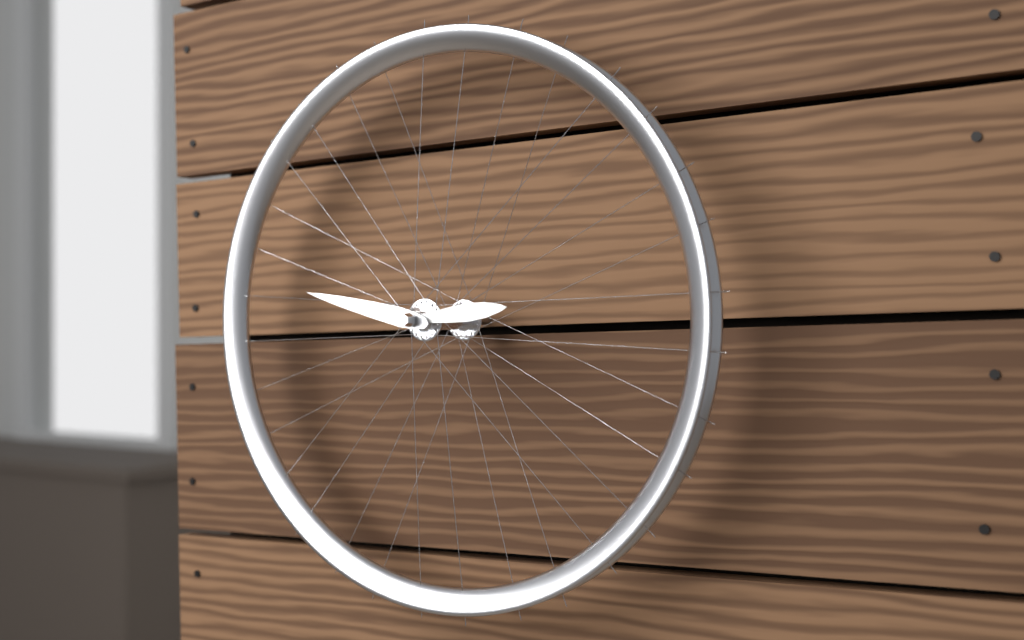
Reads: 2,47
